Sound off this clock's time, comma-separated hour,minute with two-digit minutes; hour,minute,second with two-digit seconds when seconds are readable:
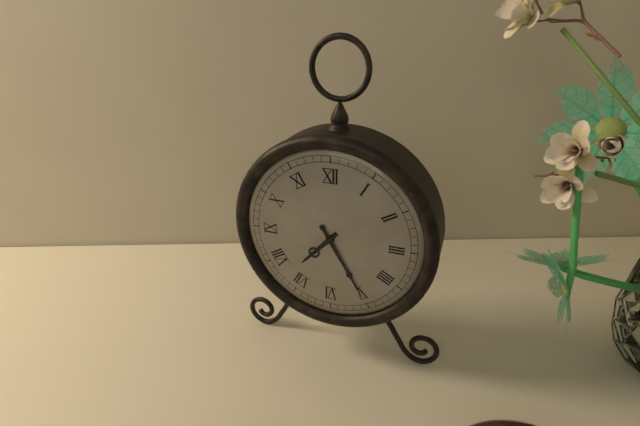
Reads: 7,25
